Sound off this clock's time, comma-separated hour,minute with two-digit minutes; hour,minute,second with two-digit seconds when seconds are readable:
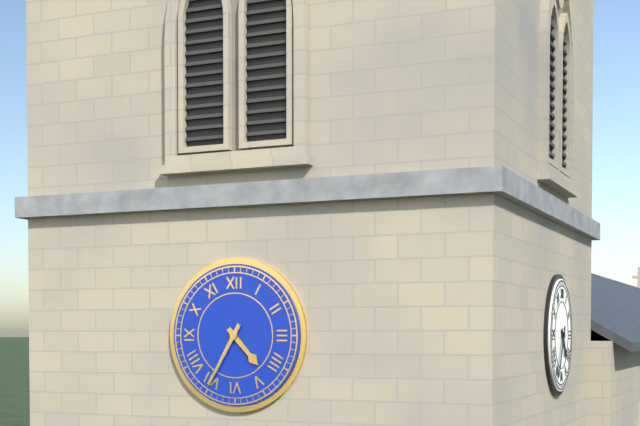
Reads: 4,35
